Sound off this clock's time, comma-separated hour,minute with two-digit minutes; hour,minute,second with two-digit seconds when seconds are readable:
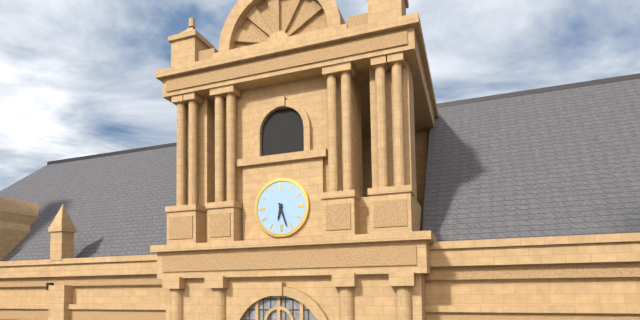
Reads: 6,27
